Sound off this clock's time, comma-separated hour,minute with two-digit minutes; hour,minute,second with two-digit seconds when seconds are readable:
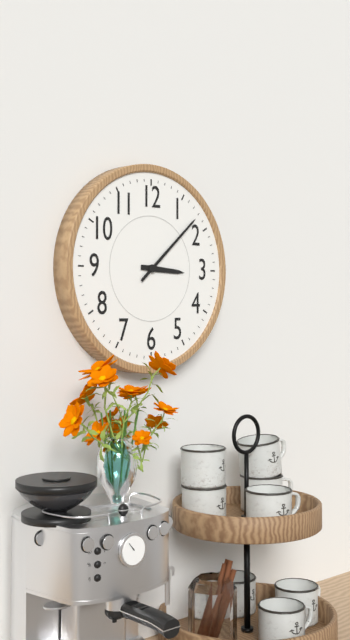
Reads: 3,08
